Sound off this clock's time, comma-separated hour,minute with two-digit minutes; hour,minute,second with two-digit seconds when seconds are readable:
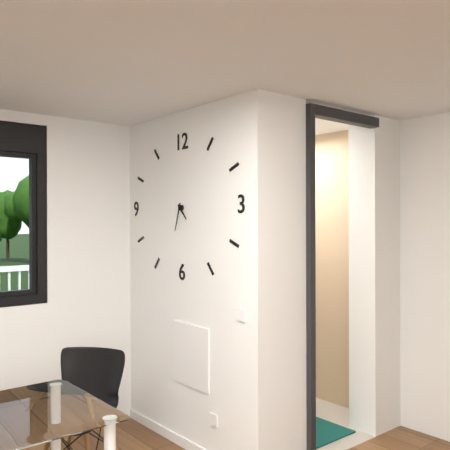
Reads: 4,33
